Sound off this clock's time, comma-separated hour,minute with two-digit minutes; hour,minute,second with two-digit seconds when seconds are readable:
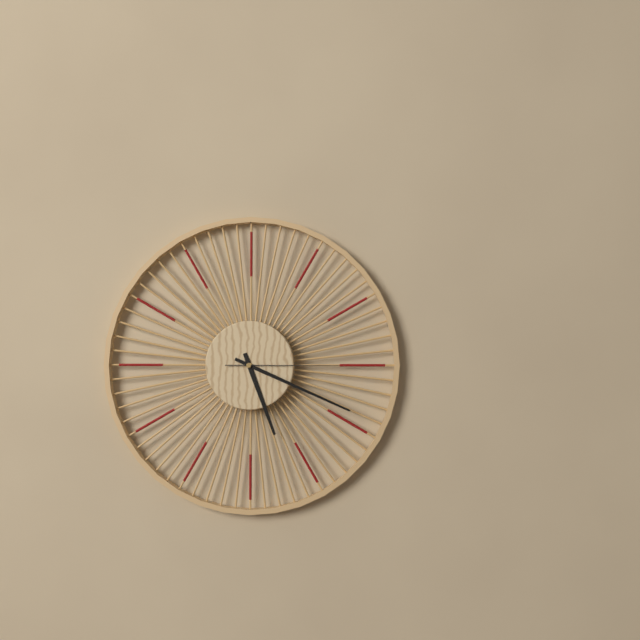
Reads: 5,19,15
